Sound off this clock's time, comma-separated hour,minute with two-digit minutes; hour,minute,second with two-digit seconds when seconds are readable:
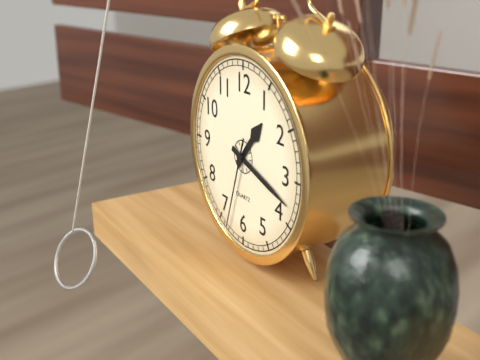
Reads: 1,18,33
